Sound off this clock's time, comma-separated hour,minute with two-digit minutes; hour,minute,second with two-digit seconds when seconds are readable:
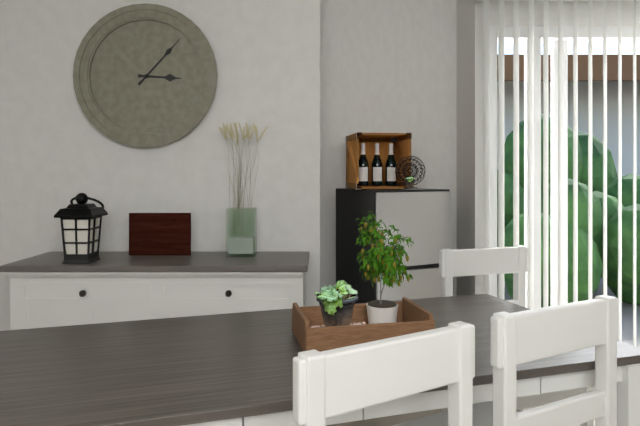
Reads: 3,07
